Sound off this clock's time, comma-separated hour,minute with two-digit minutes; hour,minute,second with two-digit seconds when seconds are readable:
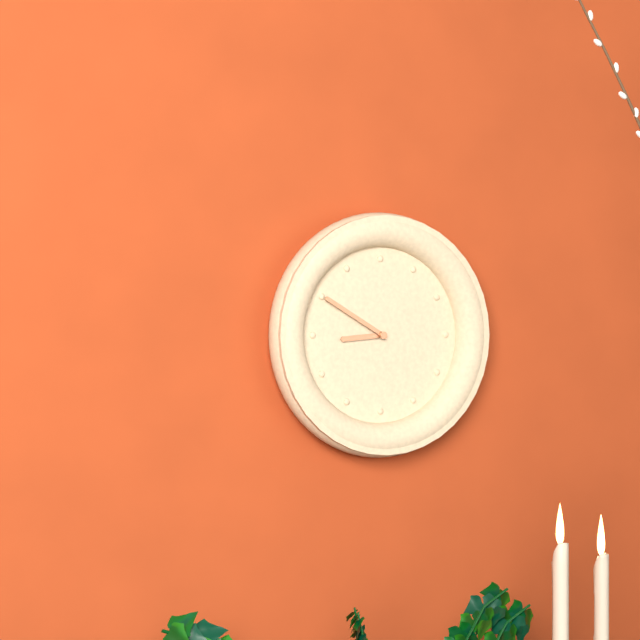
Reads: 8,50
